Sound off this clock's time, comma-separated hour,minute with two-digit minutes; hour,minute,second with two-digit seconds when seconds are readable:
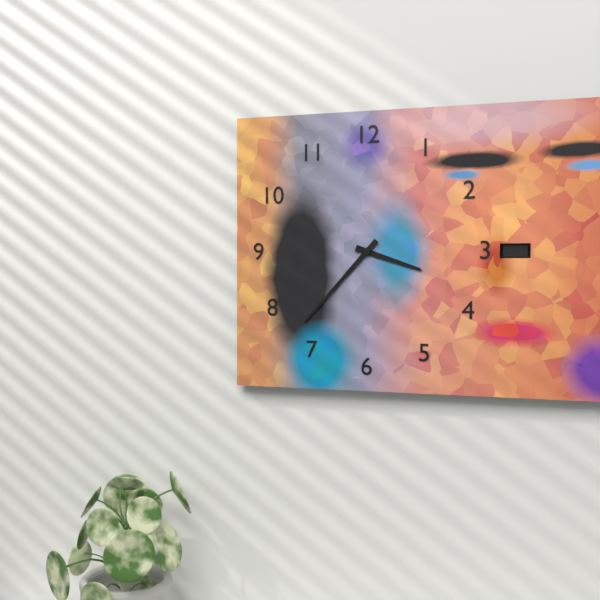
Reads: 3,37
